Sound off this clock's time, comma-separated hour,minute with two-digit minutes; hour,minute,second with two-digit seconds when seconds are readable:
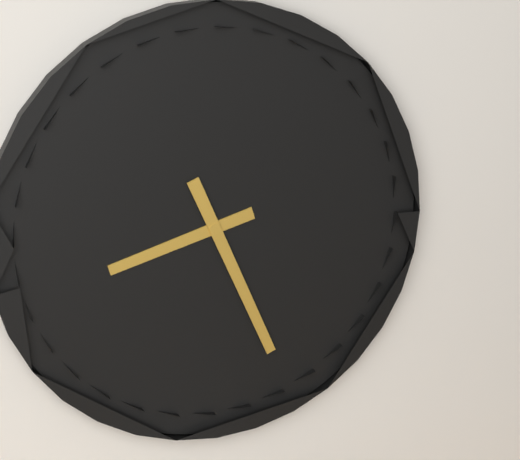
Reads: 8,26
